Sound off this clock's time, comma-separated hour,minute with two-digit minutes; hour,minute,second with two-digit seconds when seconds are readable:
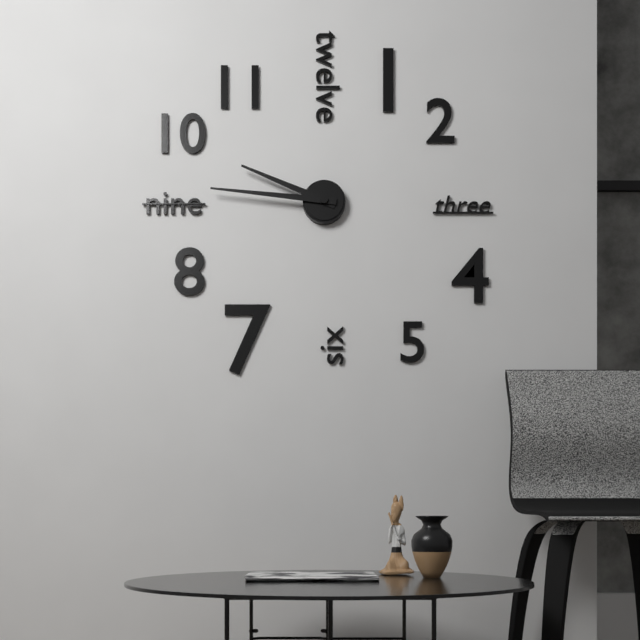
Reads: 9,46
